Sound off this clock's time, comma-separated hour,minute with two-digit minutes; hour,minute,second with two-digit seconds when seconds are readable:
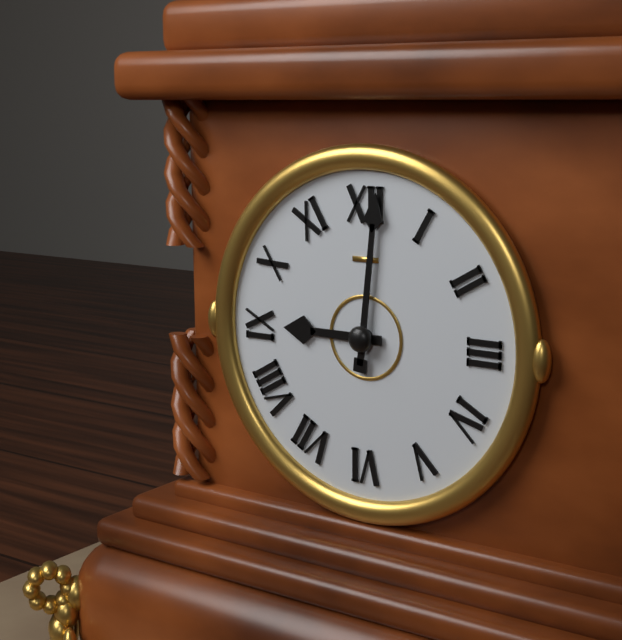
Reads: 9,01
